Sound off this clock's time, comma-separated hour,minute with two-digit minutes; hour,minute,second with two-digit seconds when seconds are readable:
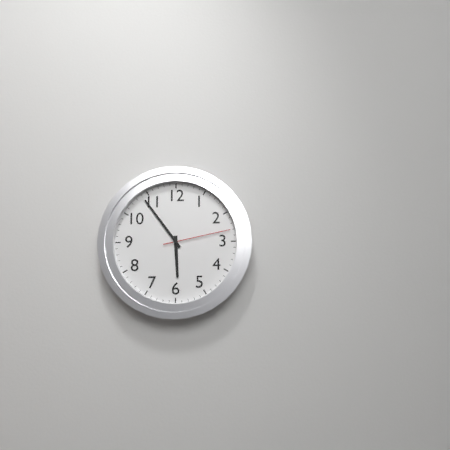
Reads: 5,54,13
